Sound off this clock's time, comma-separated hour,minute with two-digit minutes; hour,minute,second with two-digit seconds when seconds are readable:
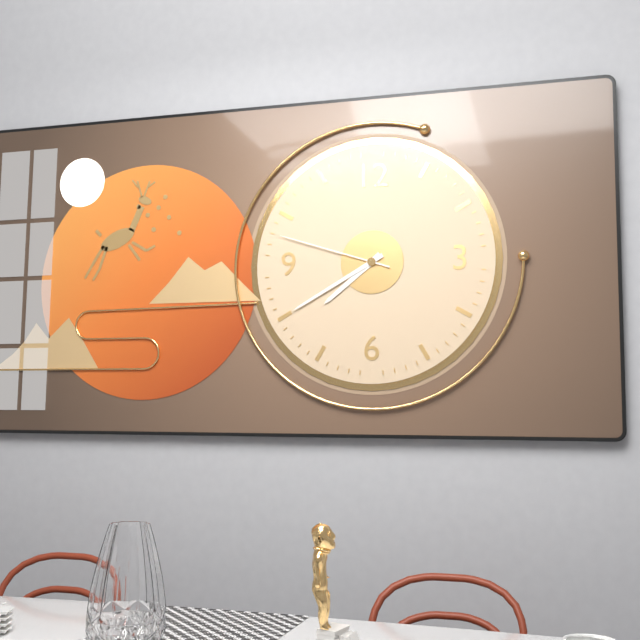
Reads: 7,40,48
